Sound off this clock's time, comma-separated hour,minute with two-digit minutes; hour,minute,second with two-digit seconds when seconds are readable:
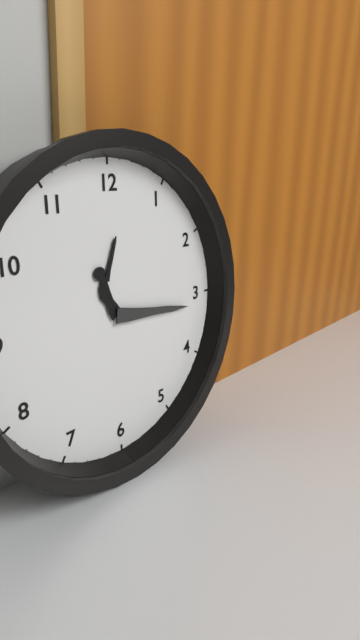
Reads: 3,16
